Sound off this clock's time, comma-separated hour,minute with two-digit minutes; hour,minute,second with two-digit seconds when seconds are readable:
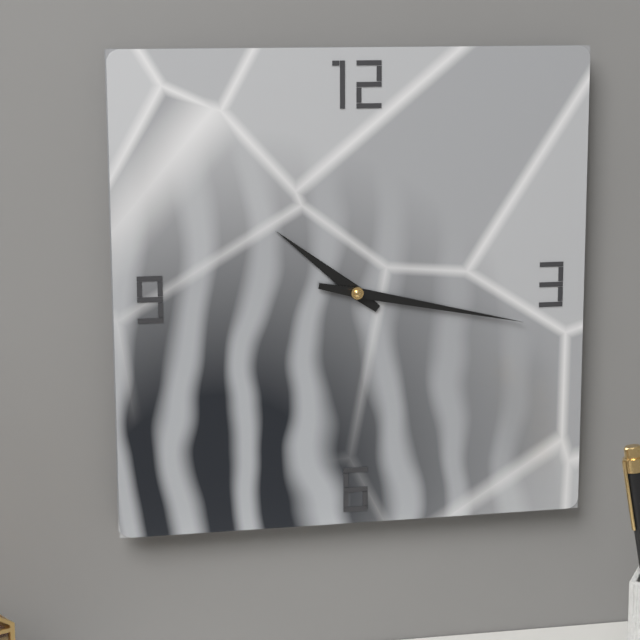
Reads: 10,17
